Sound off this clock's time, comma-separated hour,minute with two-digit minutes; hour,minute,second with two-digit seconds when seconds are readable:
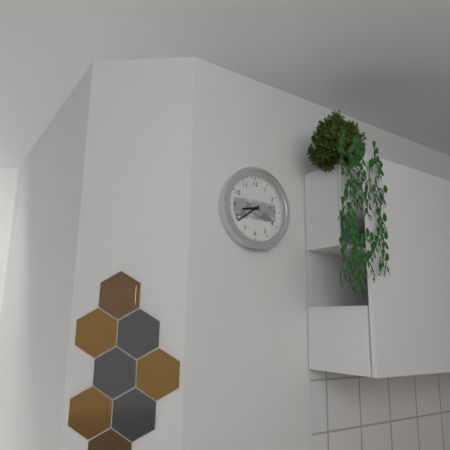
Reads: 8,39
